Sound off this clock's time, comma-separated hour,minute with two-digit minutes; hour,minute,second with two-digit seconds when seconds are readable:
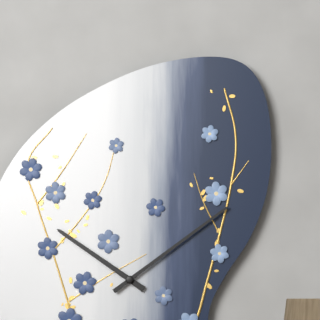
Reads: 10,09
